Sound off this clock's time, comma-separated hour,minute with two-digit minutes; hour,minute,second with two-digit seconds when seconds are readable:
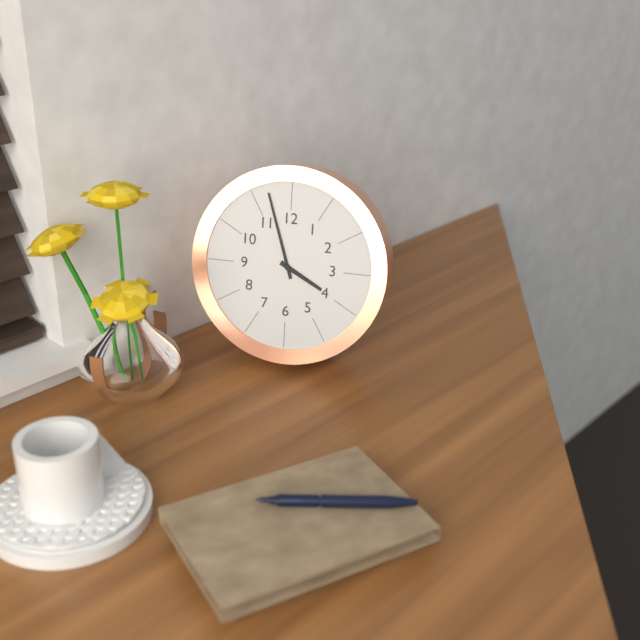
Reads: 3,57
